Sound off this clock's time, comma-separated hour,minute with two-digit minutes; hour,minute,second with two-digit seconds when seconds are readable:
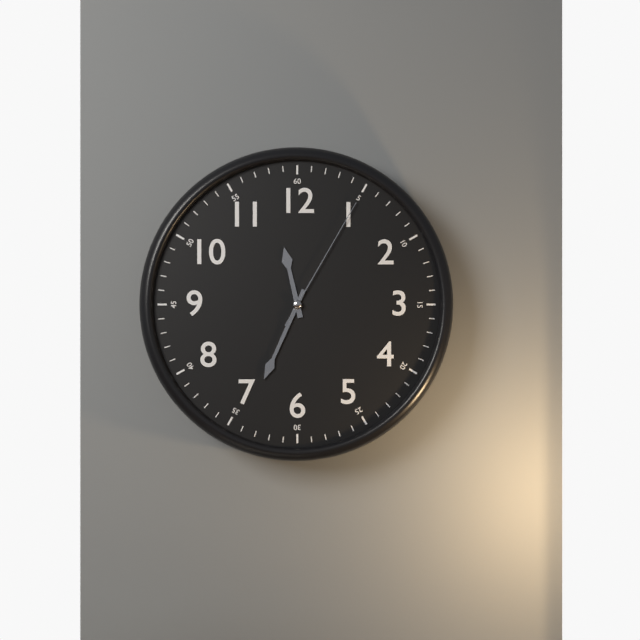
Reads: 11,34,05
